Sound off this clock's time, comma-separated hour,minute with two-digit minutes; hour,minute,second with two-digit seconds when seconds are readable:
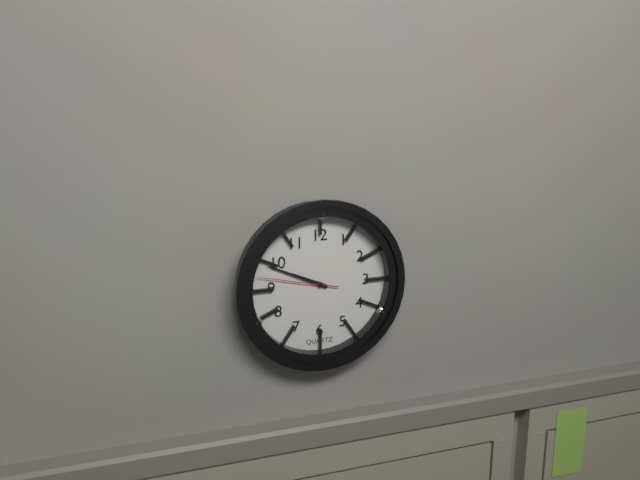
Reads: 9,49,47
